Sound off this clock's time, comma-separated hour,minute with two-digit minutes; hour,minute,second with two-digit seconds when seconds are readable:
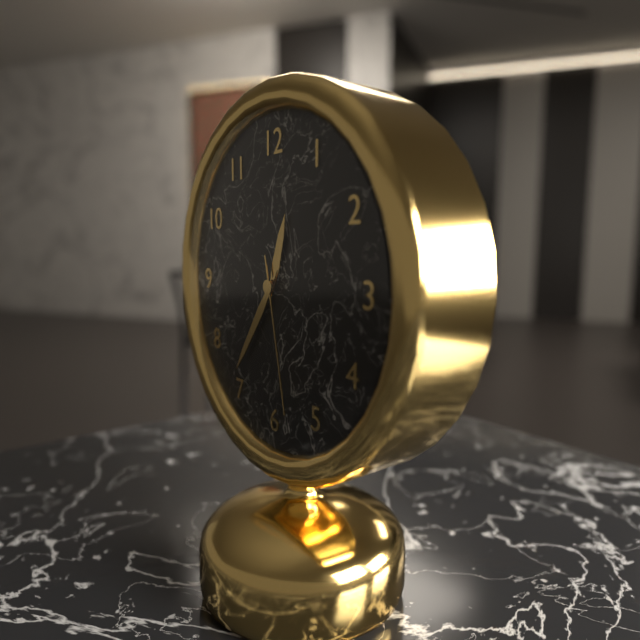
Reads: 12,36,28
